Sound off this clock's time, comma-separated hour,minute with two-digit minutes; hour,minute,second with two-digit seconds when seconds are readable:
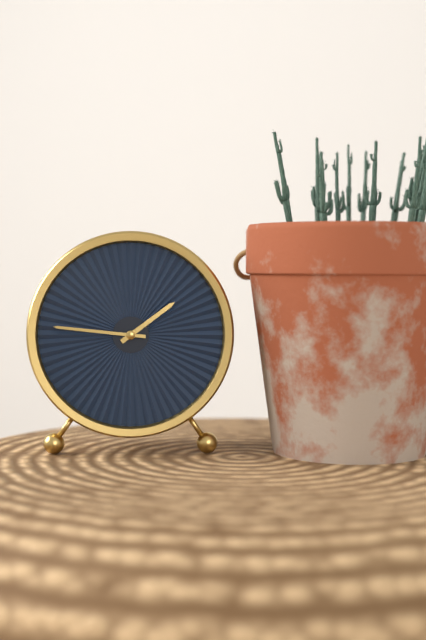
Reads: 1,46
